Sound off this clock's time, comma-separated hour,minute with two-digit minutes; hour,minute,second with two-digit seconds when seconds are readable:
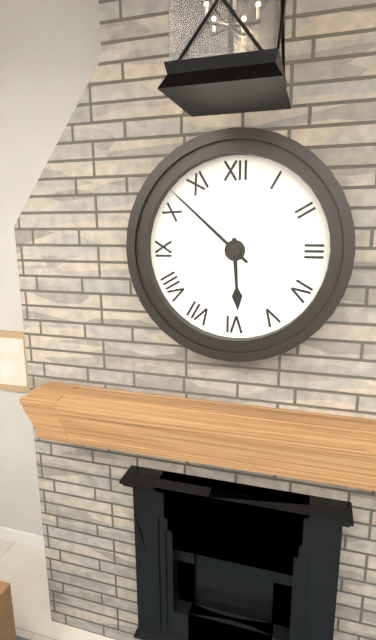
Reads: 5,52
